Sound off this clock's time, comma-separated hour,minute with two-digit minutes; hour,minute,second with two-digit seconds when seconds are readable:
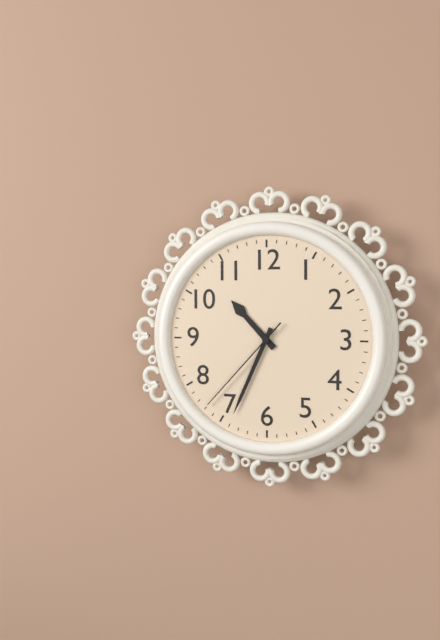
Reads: 10,34,37
